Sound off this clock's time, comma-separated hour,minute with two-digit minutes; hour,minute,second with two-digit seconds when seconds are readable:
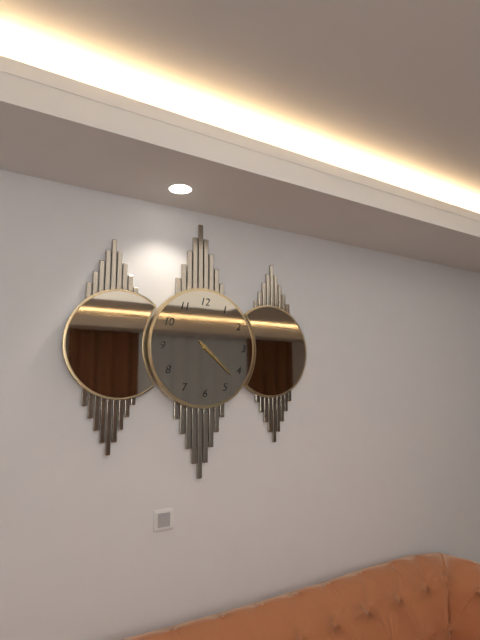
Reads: 4,22
